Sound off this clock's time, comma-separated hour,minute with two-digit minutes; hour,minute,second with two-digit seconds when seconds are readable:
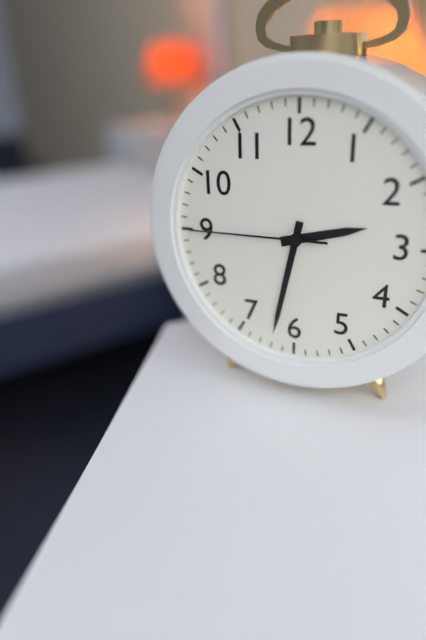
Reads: 2,32,45
